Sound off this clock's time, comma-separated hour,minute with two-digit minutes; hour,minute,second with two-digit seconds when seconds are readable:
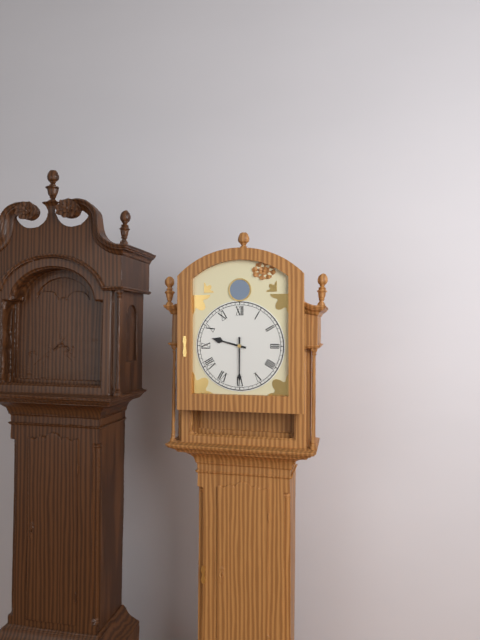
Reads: 9,30
